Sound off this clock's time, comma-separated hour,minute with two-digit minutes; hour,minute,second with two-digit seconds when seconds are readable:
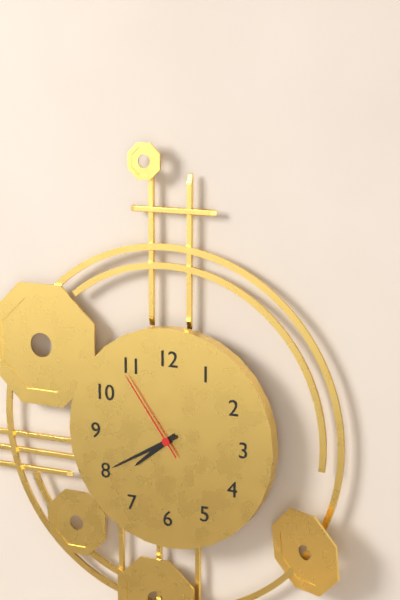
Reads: 7,40,54
